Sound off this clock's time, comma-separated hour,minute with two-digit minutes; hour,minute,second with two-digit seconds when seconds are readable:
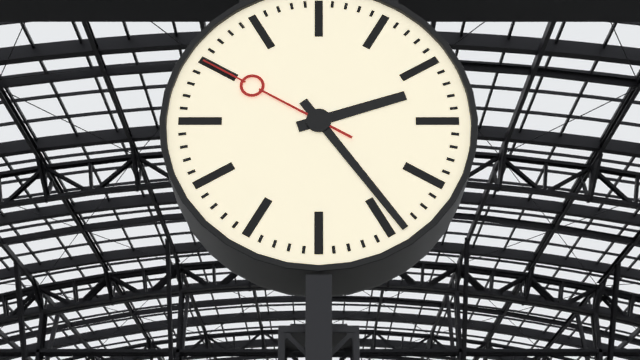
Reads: 2,24,50
